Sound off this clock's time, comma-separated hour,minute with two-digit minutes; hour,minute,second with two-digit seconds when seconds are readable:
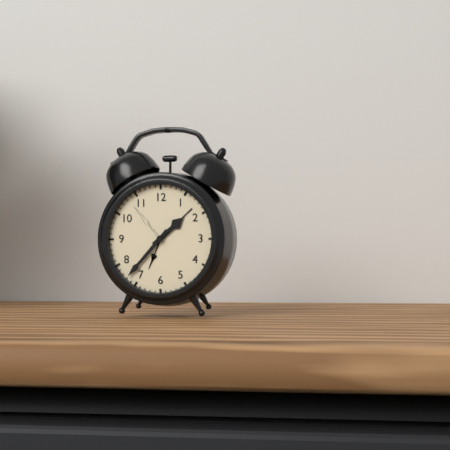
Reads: 1,37
